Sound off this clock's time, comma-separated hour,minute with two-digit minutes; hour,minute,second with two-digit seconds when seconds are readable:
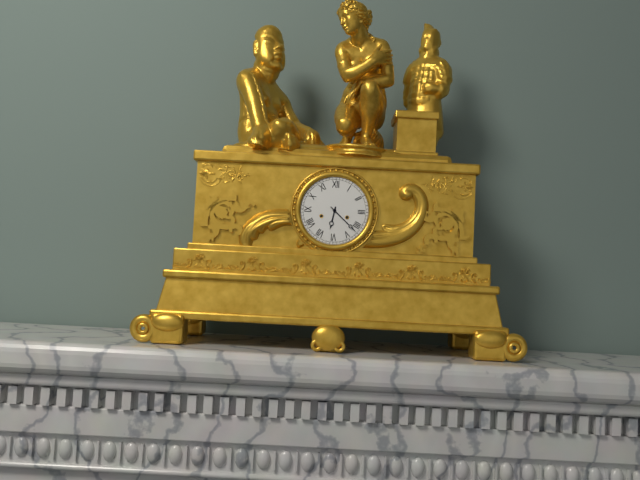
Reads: 6,22
